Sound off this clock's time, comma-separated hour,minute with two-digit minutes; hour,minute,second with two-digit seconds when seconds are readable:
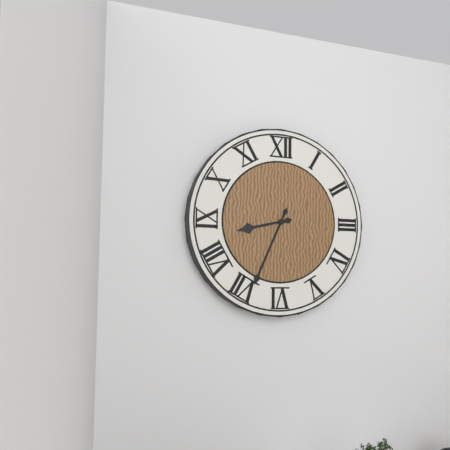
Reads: 8,34
